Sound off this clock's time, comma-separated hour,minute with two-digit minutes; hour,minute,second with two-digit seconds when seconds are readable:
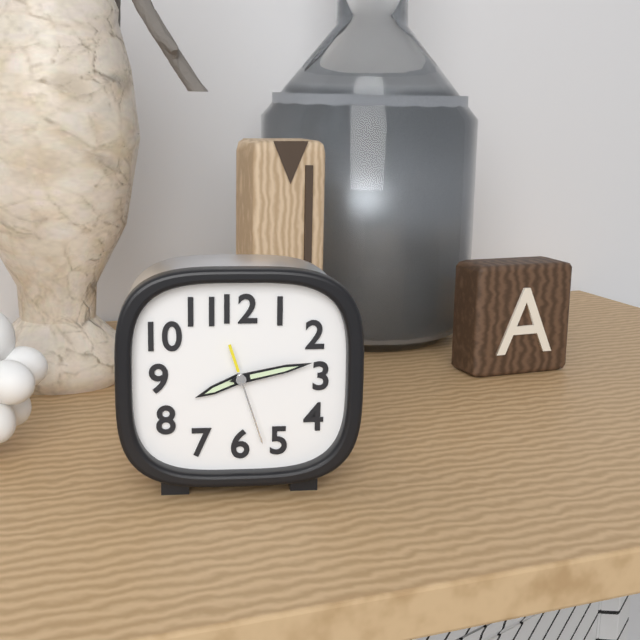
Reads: 8,13,27
